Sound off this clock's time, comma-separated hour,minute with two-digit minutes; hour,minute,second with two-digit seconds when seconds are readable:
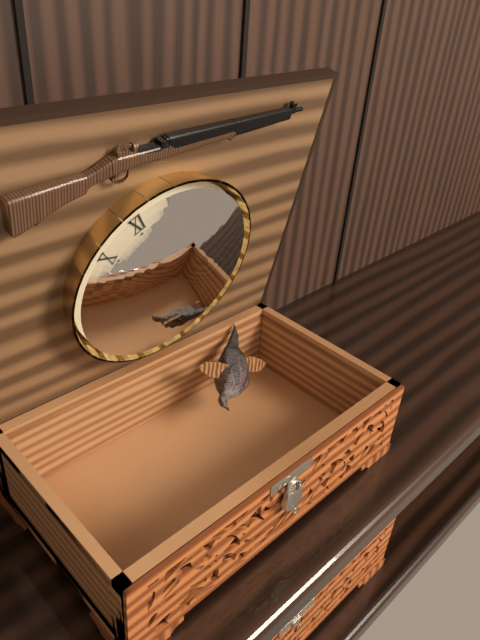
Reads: 7,22,40
